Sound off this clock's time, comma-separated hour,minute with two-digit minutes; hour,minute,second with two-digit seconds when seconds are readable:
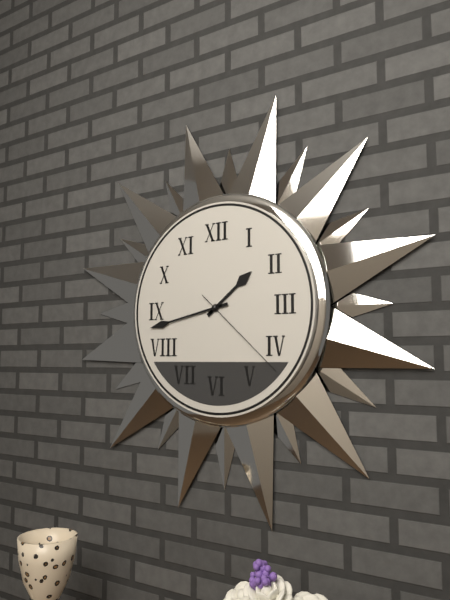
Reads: 1,43,22
